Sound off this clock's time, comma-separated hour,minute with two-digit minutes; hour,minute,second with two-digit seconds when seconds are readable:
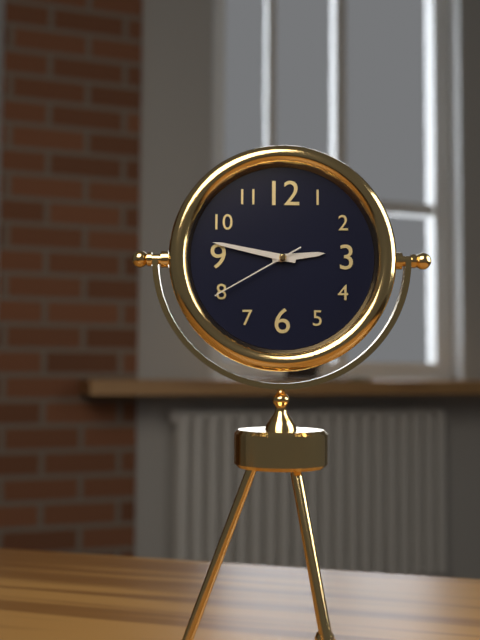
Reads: 2,47,40
